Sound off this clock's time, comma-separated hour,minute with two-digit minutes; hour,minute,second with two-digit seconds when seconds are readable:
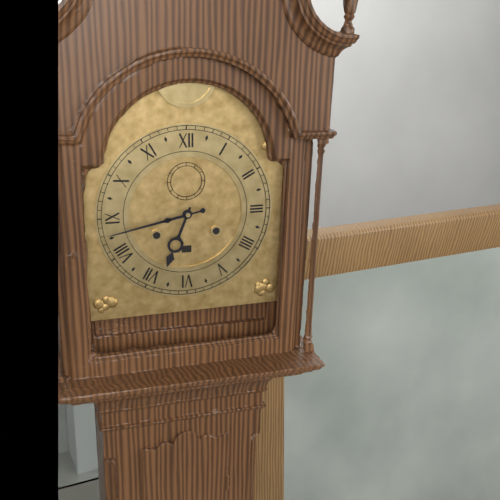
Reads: 6,43
